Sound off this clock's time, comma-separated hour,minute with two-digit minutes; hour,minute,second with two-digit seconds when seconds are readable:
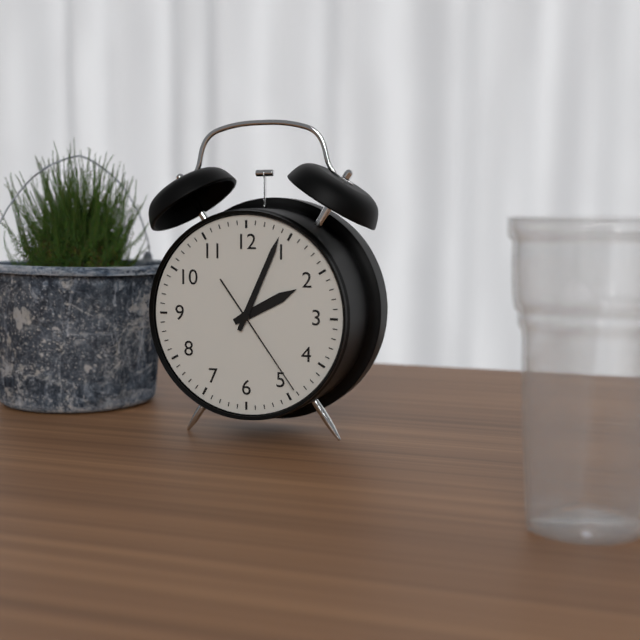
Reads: 2,04,24
